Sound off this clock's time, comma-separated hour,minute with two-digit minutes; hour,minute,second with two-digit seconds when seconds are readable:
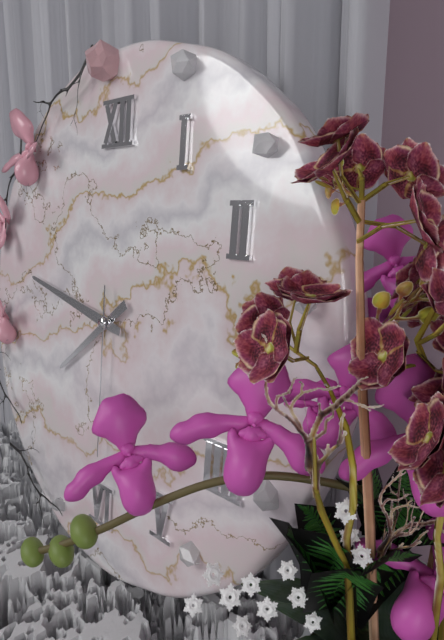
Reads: 7,47,30
